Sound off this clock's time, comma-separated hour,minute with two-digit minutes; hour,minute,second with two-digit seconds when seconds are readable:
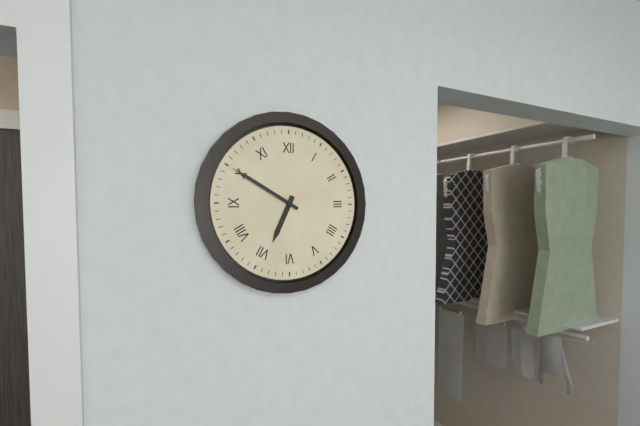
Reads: 6,50
